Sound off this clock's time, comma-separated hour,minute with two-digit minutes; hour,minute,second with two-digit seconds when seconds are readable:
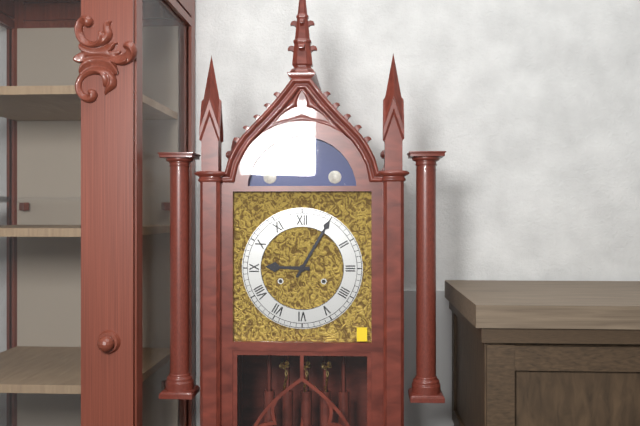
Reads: 9,05
